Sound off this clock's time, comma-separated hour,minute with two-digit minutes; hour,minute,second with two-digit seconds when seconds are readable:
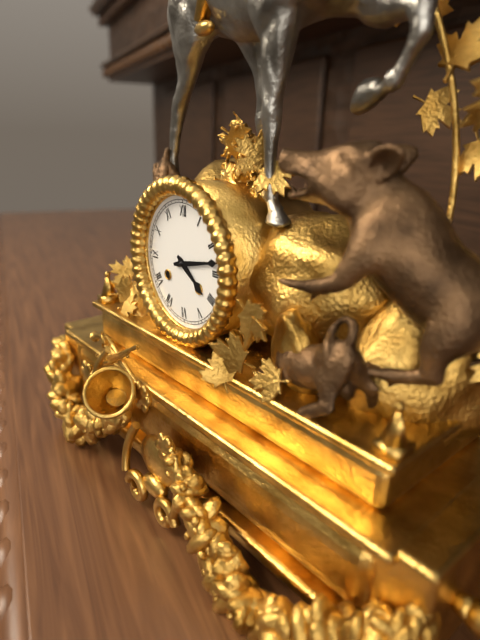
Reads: 4,13
